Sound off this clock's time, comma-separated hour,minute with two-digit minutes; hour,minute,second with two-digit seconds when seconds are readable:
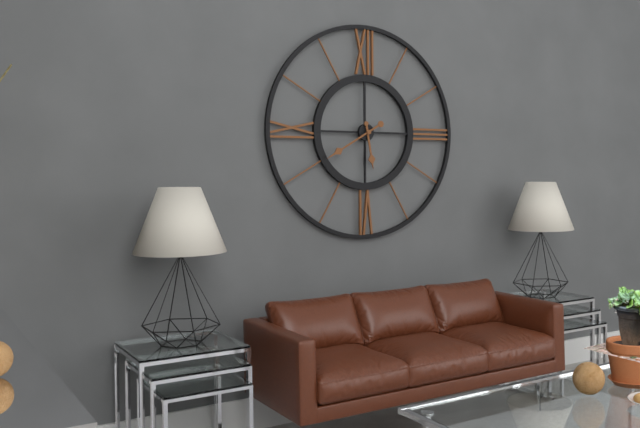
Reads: 5,40
